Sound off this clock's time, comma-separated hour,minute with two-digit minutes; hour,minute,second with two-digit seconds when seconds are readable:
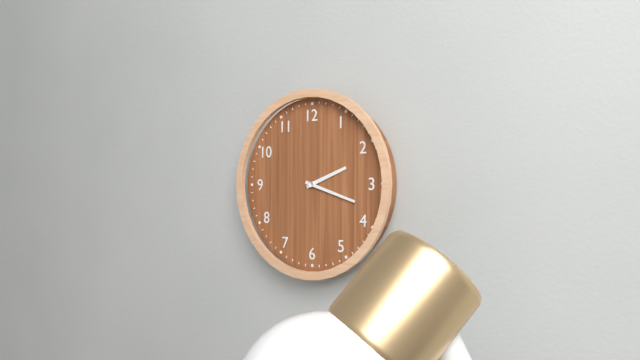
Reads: 2,18
